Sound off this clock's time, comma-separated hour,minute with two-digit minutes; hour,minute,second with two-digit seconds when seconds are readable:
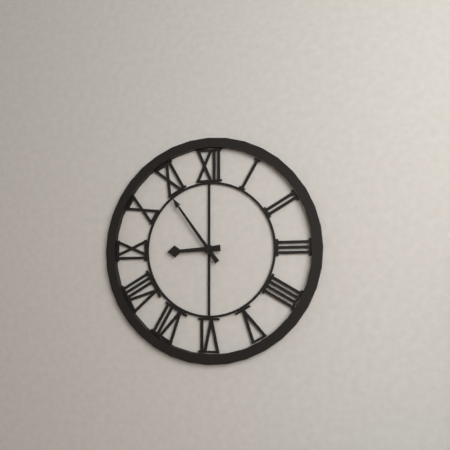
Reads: 8,54
